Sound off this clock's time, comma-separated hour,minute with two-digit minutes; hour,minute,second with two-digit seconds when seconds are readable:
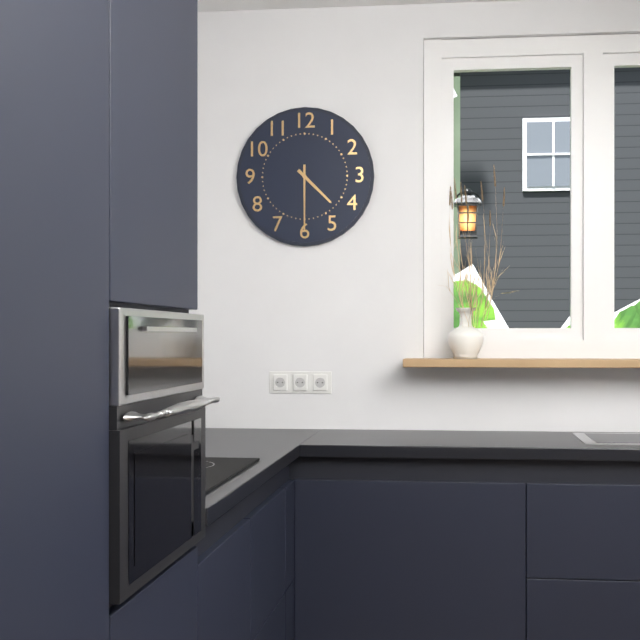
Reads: 4,30
